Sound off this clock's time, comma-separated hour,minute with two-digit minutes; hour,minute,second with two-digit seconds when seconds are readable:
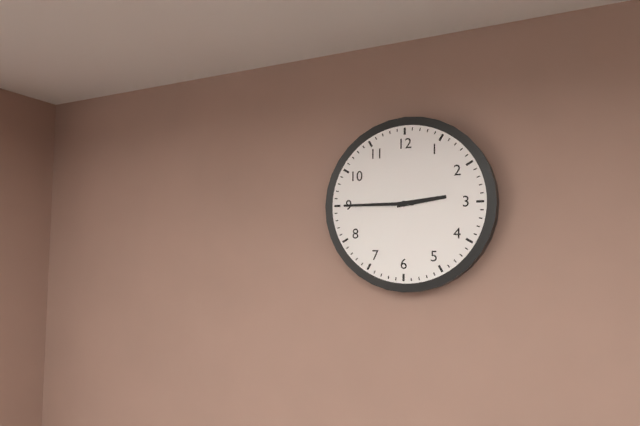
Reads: 2,45
